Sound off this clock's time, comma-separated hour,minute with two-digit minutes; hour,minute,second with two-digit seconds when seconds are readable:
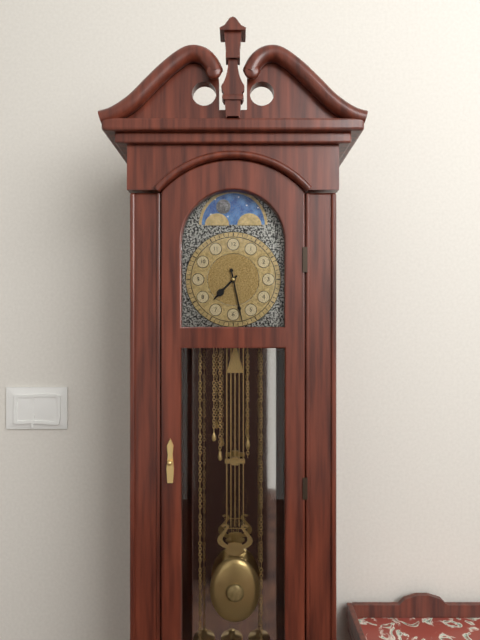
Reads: 7,28
